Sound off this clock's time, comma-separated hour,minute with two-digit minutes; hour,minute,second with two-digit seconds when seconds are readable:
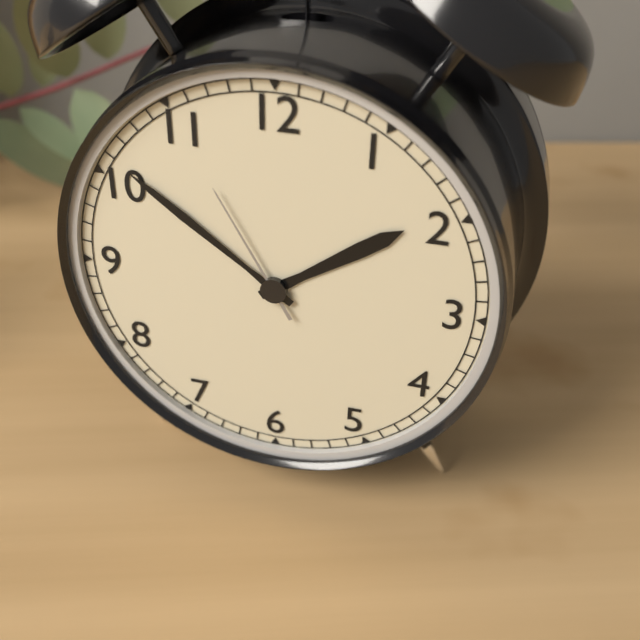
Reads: 1,51,55
